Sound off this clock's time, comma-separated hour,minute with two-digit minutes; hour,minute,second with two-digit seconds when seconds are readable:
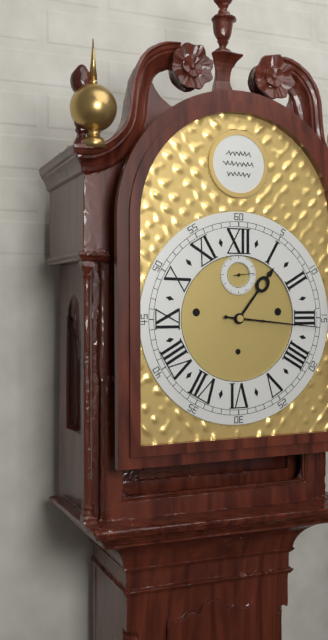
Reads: 1,16
